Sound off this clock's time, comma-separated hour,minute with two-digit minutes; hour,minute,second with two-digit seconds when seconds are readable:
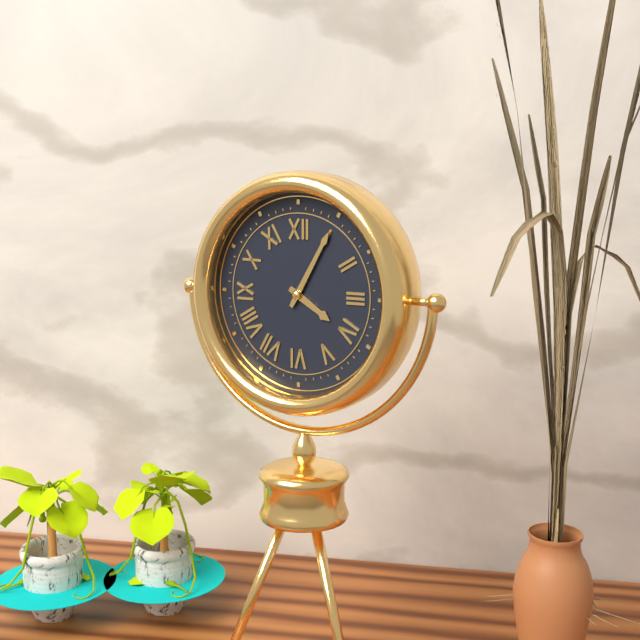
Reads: 4,05
